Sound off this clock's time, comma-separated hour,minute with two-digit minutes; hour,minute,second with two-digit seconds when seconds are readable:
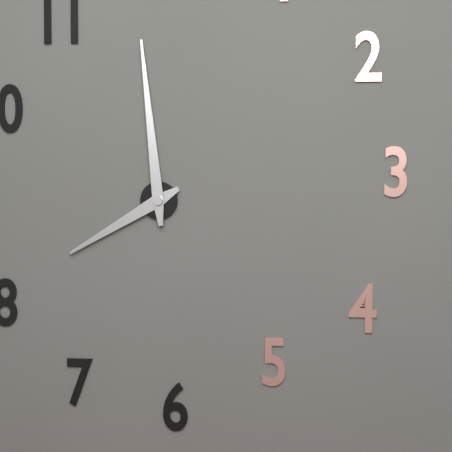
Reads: 7,59
